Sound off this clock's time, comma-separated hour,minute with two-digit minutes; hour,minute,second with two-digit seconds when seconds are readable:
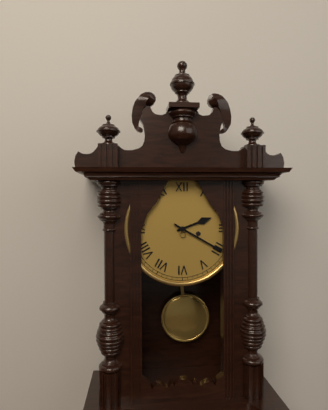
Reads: 2,20
